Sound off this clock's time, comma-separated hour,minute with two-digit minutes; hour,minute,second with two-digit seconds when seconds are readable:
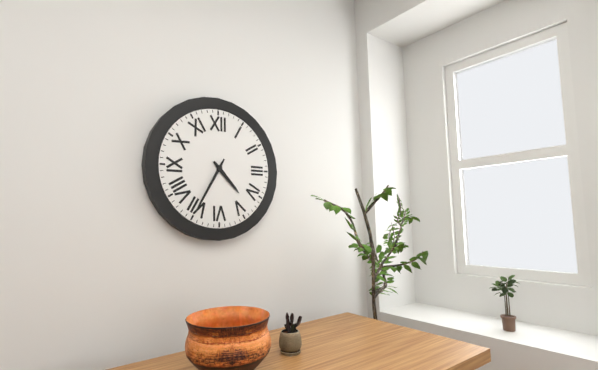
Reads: 4,35
